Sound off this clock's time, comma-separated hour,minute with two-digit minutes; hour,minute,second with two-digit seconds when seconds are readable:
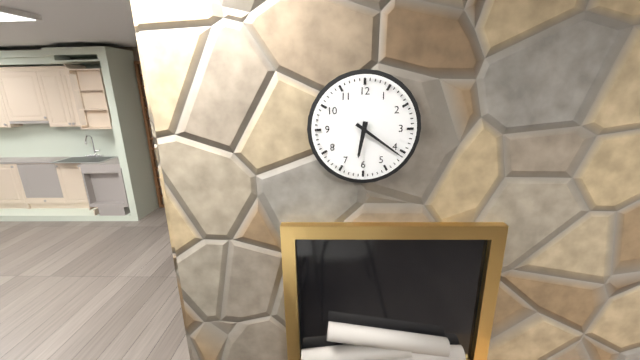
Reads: 6,21
